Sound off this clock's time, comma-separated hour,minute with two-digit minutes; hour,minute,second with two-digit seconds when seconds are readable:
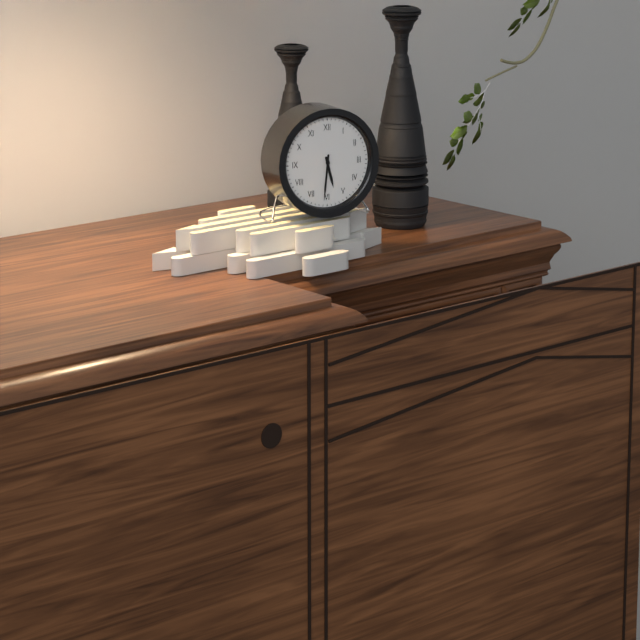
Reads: 5,31
